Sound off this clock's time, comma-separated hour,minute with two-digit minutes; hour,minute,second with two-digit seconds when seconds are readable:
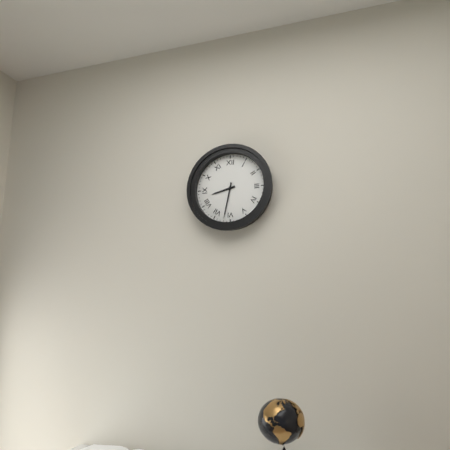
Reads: 8,32
